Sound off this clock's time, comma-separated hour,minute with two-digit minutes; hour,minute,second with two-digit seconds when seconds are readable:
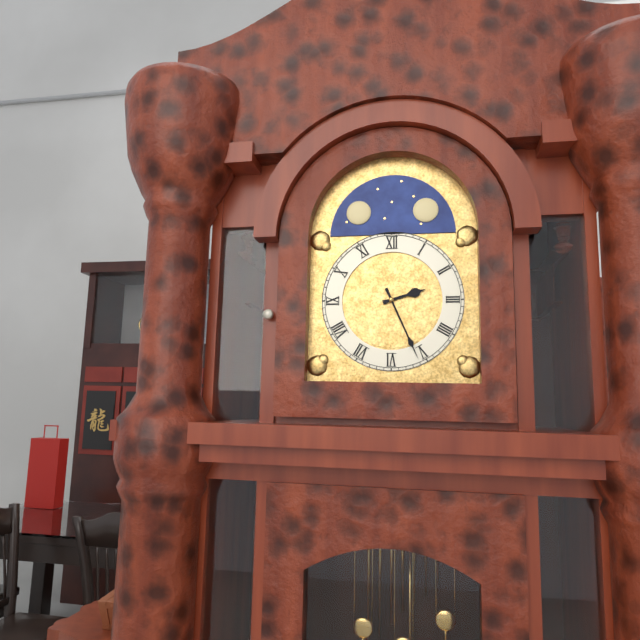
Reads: 2,26
